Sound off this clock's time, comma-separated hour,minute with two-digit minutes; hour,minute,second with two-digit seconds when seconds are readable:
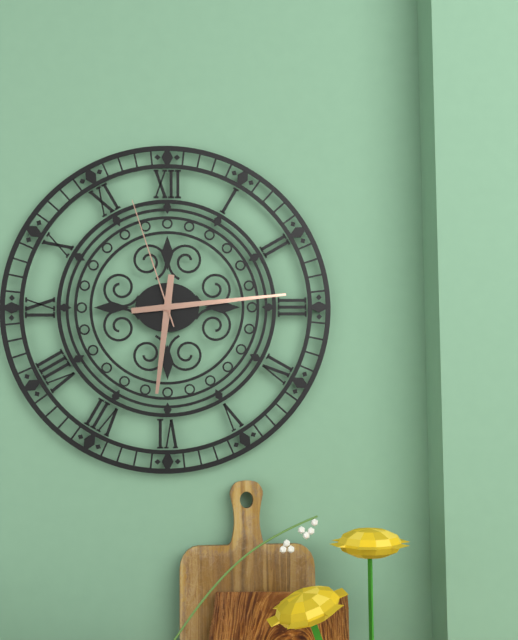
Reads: 6,14,57
